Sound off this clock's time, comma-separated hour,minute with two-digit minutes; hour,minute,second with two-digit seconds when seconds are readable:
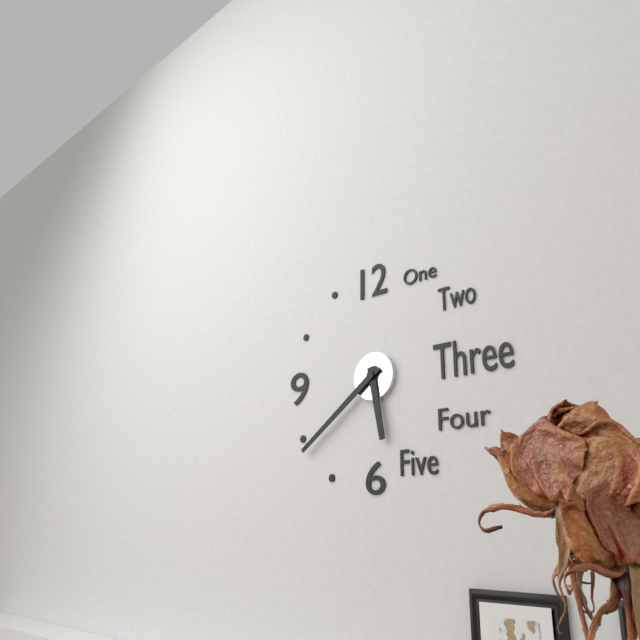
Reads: 5,39
